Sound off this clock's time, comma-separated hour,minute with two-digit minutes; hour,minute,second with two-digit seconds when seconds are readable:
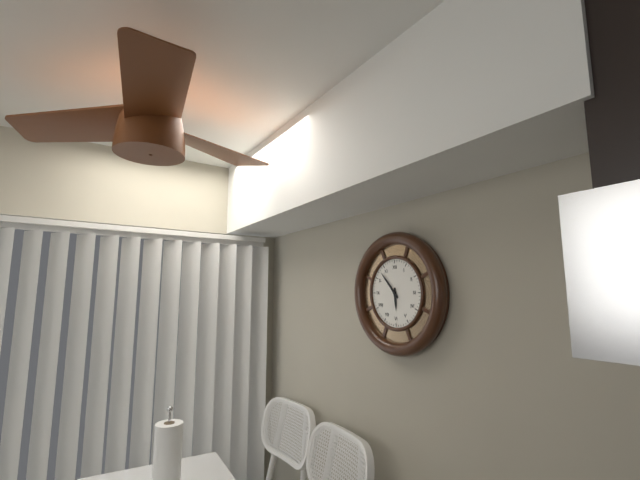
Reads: 5,53
